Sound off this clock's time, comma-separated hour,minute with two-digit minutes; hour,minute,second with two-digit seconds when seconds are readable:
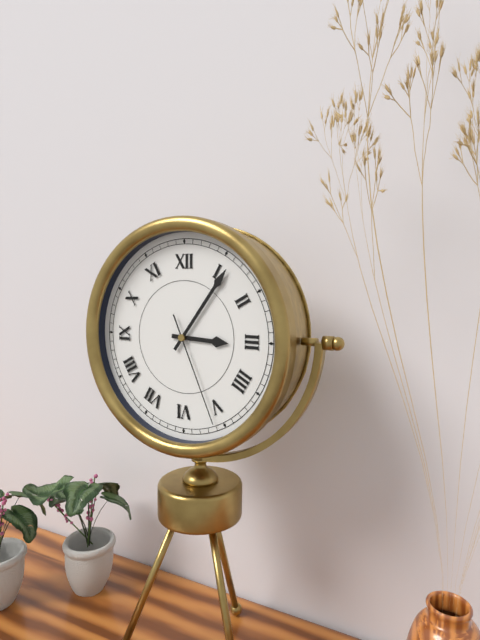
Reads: 3,06,26
